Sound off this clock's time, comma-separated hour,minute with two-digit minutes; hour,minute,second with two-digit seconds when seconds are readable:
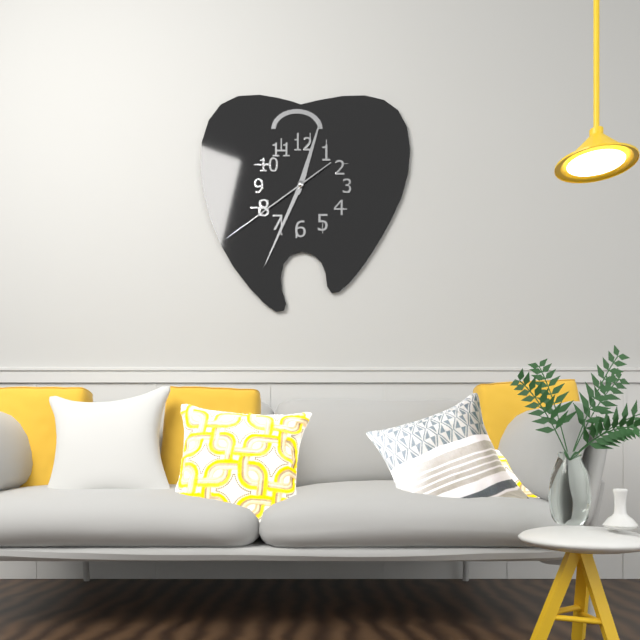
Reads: 12,34,39
